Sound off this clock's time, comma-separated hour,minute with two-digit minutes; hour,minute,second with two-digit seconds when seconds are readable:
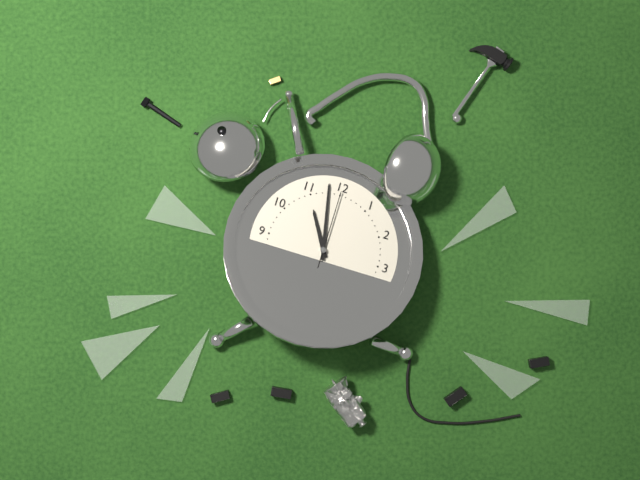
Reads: 10,58,00
